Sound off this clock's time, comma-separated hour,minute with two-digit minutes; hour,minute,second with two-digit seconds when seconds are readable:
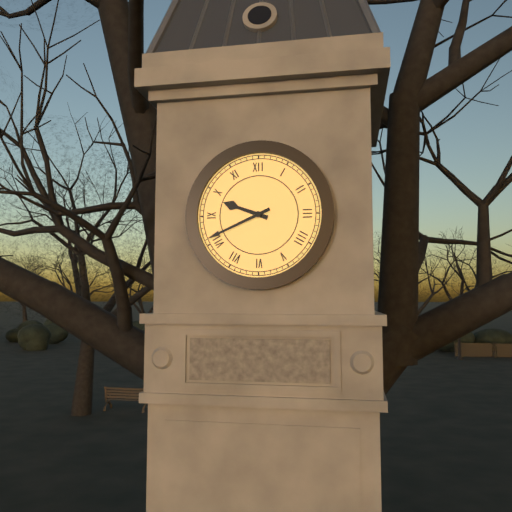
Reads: 9,41
